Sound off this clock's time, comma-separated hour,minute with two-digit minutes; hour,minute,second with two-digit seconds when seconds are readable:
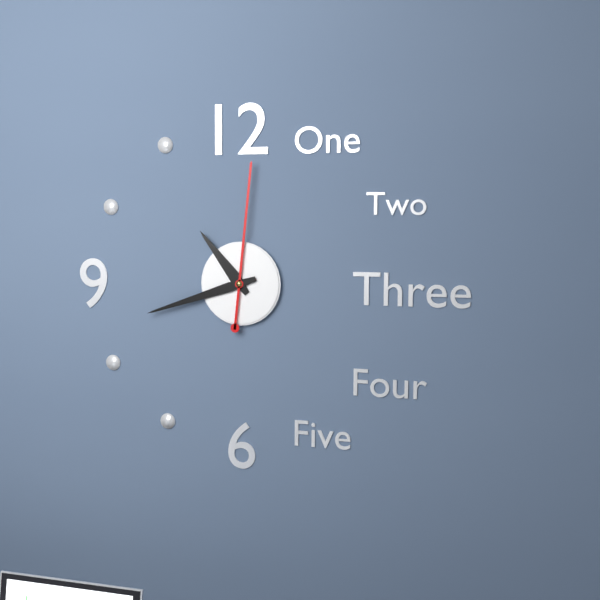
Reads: 10,42,01
